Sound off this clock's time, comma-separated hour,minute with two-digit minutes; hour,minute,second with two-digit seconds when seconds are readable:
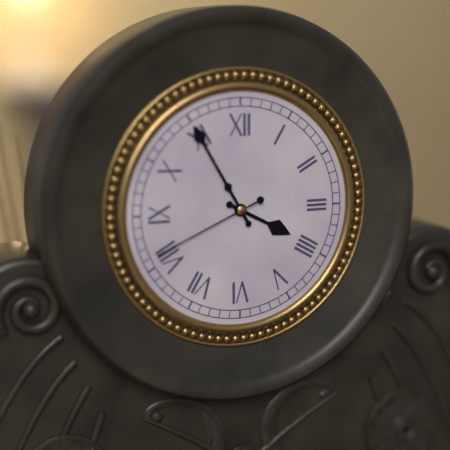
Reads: 3,55,41
